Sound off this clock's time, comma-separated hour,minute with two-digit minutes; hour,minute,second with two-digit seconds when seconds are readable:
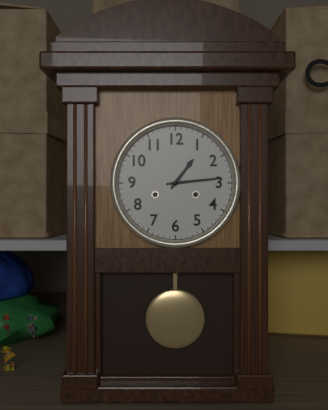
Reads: 1,14
